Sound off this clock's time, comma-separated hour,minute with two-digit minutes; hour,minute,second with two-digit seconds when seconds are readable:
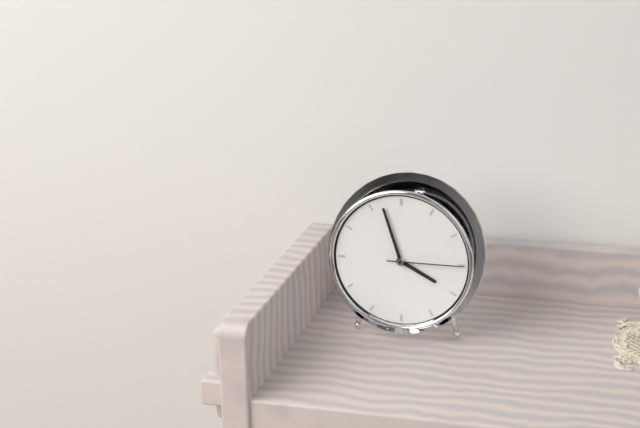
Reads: 3,57,15
